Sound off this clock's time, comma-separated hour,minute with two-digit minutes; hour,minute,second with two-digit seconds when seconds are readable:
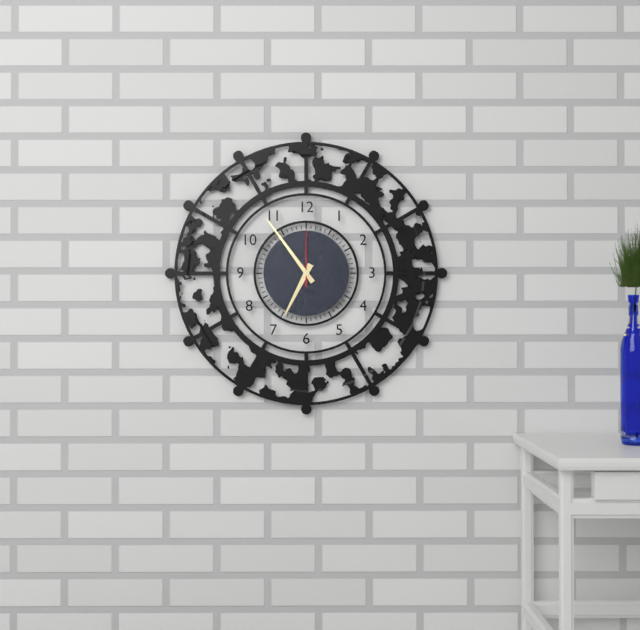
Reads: 6,54,00
